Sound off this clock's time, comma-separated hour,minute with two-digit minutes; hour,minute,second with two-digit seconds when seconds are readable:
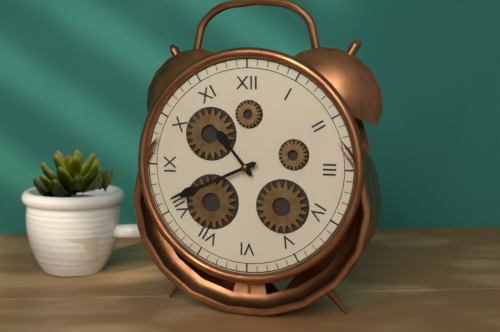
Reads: 10,41
